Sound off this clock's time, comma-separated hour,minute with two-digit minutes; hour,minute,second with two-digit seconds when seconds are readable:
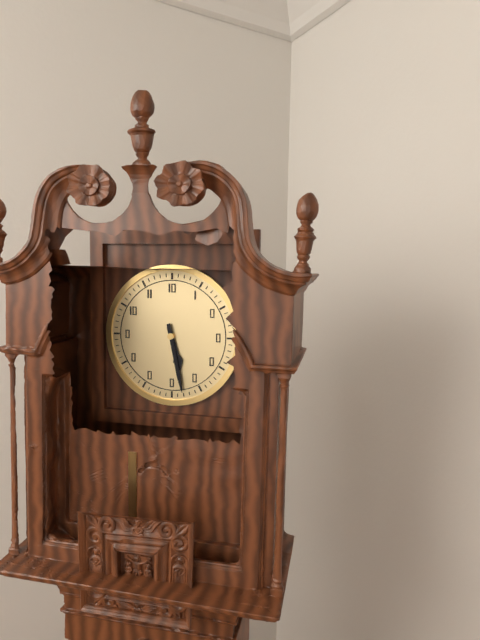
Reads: 5,28
